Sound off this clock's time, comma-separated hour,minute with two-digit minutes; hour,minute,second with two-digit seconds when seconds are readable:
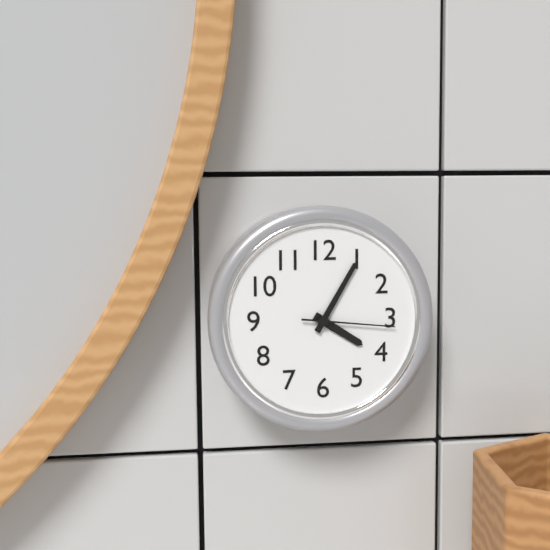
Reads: 4,05,16
